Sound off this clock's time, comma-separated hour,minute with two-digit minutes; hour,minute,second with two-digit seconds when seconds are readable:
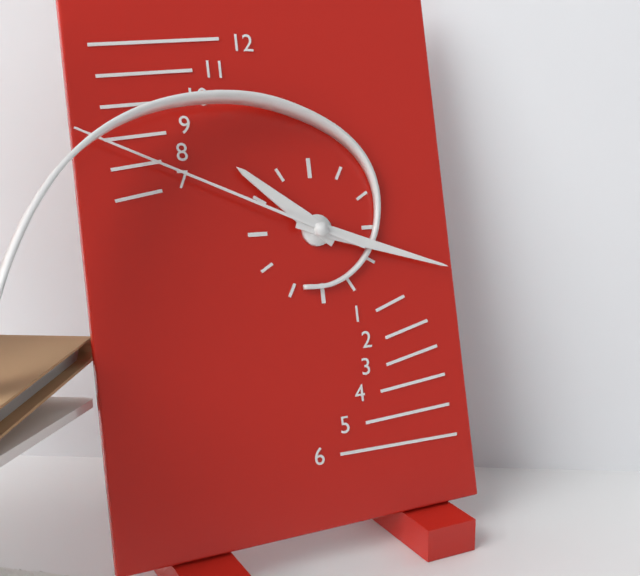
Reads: 10,18,49
